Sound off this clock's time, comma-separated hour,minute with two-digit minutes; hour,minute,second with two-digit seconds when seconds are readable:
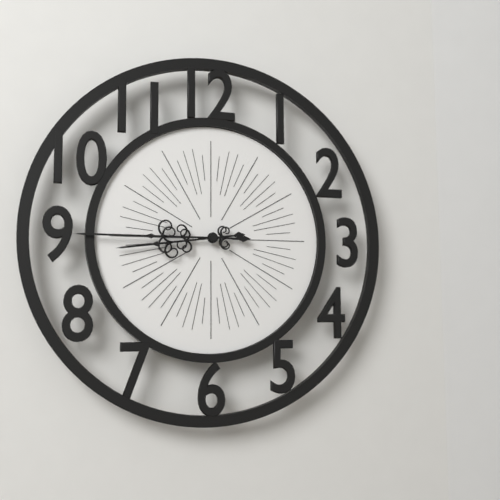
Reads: 8,45
